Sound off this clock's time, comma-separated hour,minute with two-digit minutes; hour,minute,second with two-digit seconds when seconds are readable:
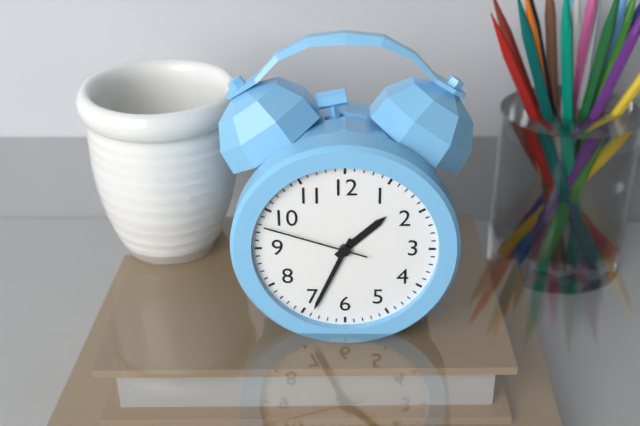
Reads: 1,34,48
